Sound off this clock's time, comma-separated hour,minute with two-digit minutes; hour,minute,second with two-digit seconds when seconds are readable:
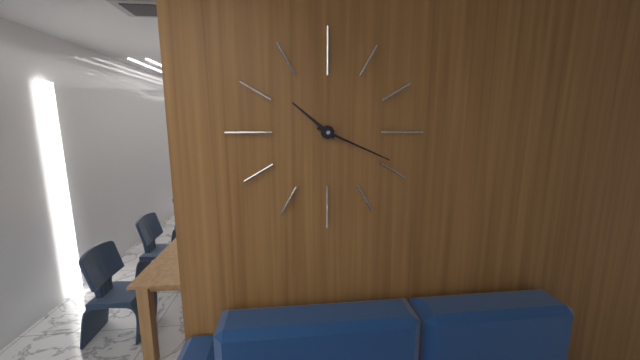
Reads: 10,19
